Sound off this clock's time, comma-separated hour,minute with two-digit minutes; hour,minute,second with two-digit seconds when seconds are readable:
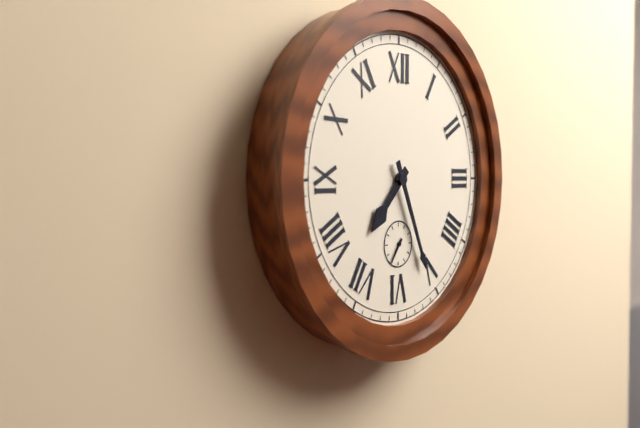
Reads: 7,26
